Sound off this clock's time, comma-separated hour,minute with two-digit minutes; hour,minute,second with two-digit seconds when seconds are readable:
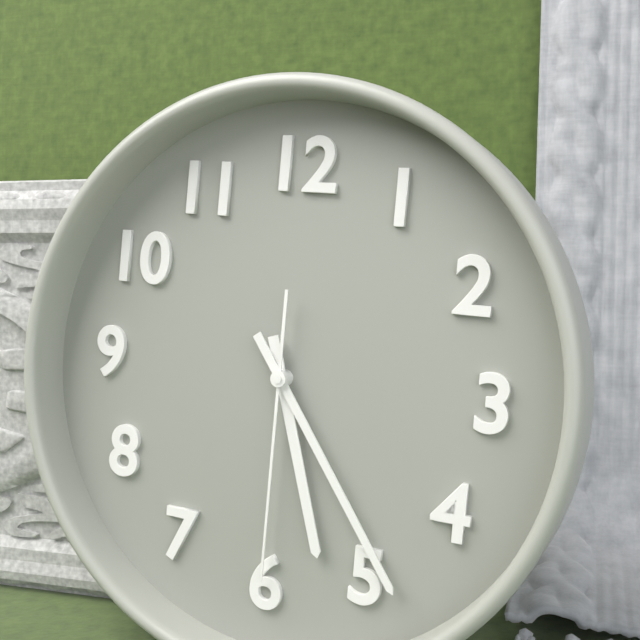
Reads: 5,24,30
